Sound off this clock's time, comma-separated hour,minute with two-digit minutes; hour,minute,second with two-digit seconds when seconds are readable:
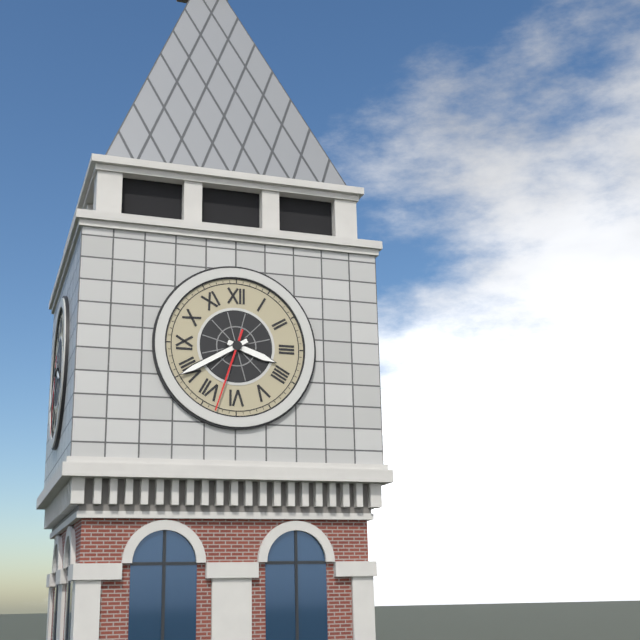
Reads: 3,40,33
